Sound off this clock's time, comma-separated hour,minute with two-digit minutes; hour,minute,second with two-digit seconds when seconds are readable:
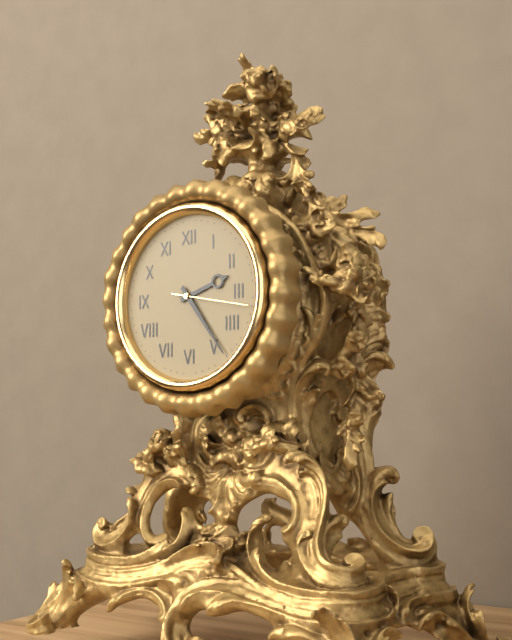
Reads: 2,24,17
